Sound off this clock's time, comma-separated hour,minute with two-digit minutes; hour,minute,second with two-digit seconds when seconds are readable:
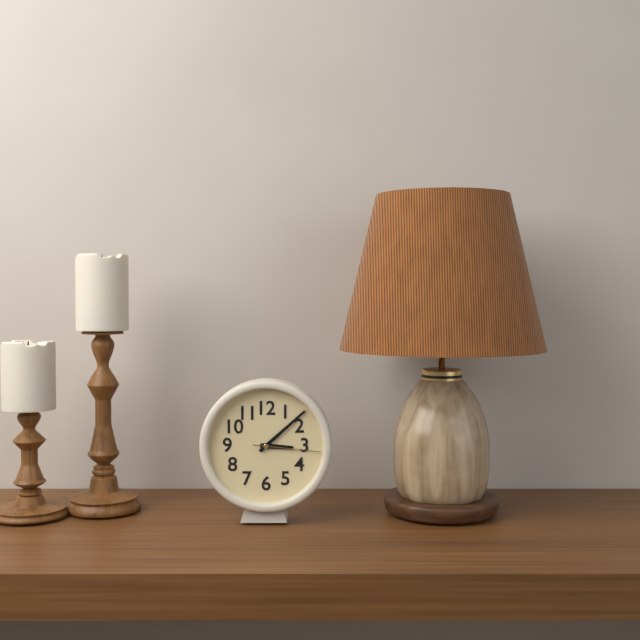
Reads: 3,08,16
